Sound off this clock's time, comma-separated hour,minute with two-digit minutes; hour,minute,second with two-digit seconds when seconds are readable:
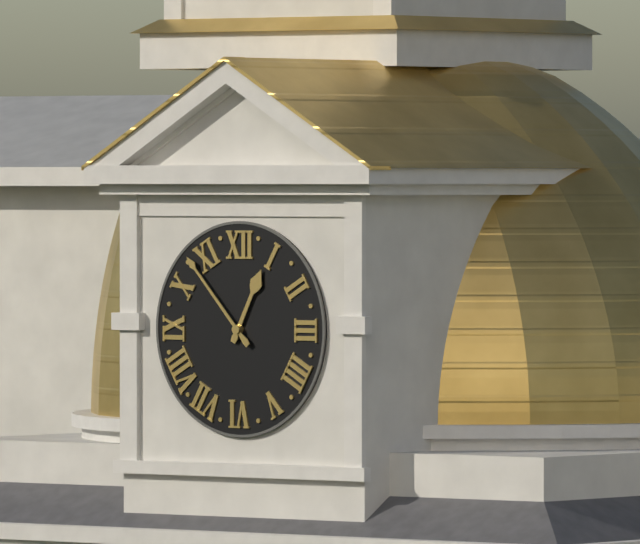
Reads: 12,53
